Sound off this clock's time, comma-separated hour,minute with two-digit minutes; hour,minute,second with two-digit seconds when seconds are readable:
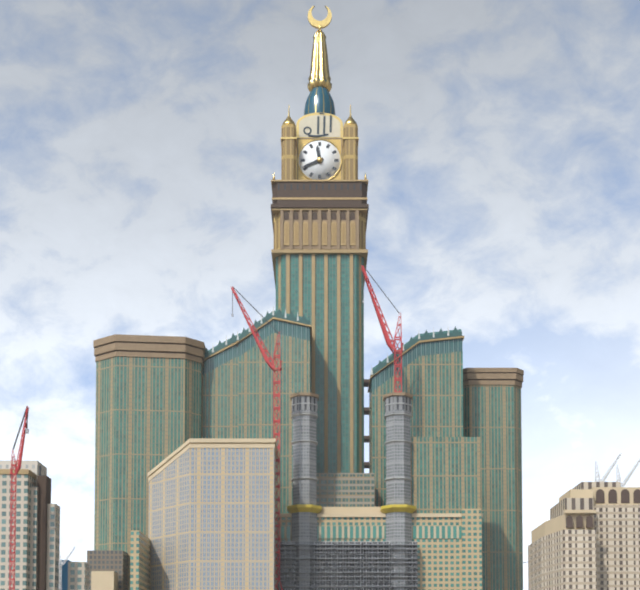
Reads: 11,41
